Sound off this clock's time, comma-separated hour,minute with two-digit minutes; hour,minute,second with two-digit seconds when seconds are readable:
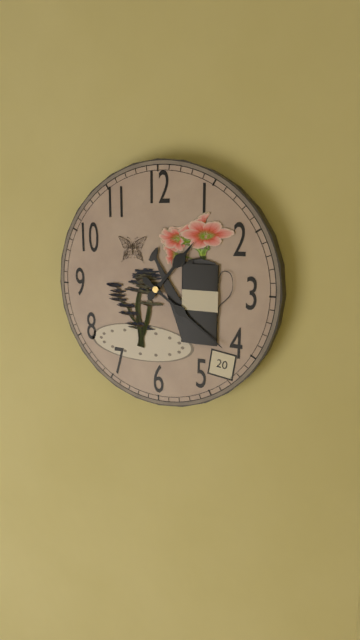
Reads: 1,21
